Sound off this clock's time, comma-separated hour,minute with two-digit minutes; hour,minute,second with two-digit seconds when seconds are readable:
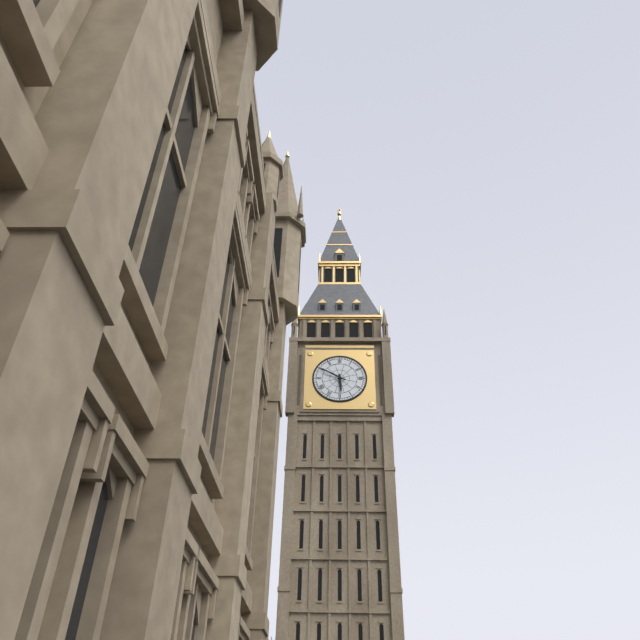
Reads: 5,50
